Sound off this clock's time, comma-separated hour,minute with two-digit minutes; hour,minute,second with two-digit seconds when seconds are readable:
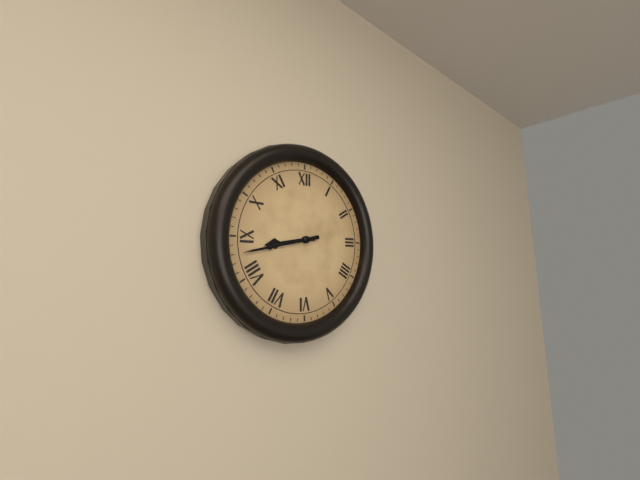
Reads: 8,43
